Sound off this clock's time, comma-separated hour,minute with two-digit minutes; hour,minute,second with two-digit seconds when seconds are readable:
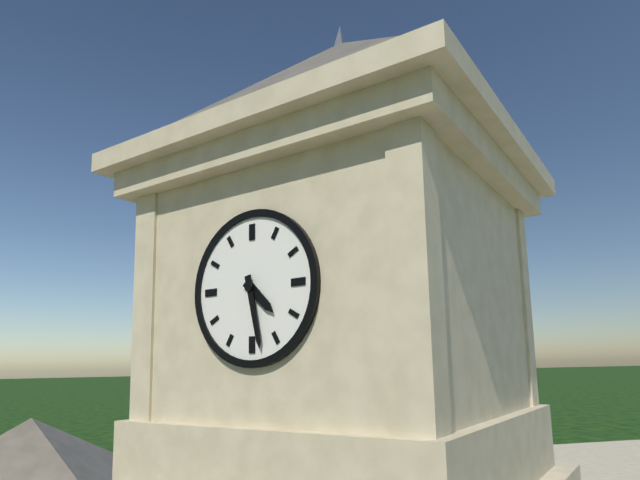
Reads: 4,28
